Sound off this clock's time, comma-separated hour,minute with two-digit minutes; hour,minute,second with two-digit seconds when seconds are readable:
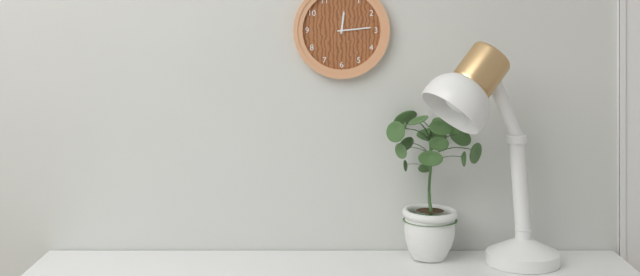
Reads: 12,14
